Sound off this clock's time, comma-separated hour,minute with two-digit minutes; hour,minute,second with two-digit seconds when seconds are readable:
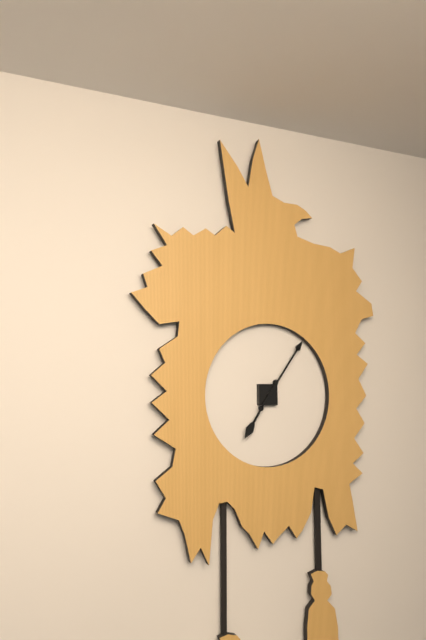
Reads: 7,06
